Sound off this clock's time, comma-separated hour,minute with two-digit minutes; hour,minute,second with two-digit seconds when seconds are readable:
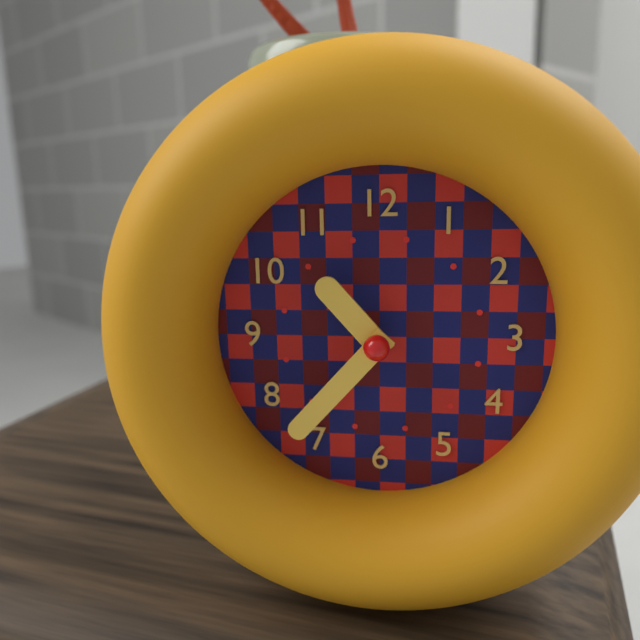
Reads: 10,37
